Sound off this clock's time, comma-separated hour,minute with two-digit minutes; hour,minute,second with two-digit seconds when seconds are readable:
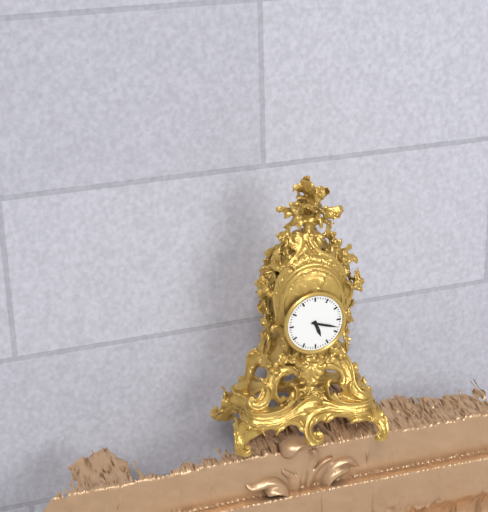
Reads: 5,18
